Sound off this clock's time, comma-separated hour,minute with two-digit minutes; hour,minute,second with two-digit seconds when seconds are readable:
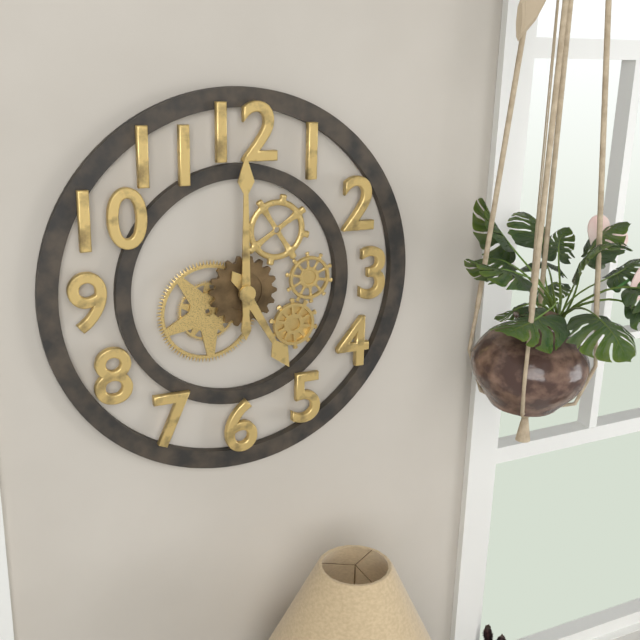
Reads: 5,00
